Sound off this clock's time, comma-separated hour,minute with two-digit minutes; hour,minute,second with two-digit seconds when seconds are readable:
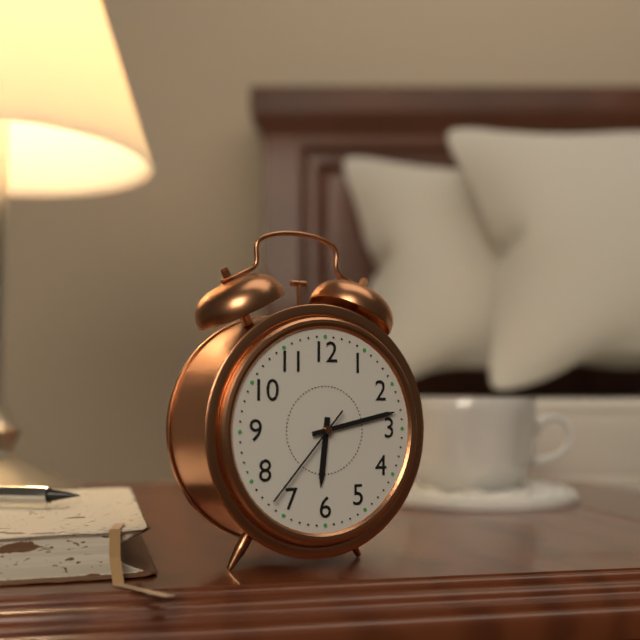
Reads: 6,13,37
